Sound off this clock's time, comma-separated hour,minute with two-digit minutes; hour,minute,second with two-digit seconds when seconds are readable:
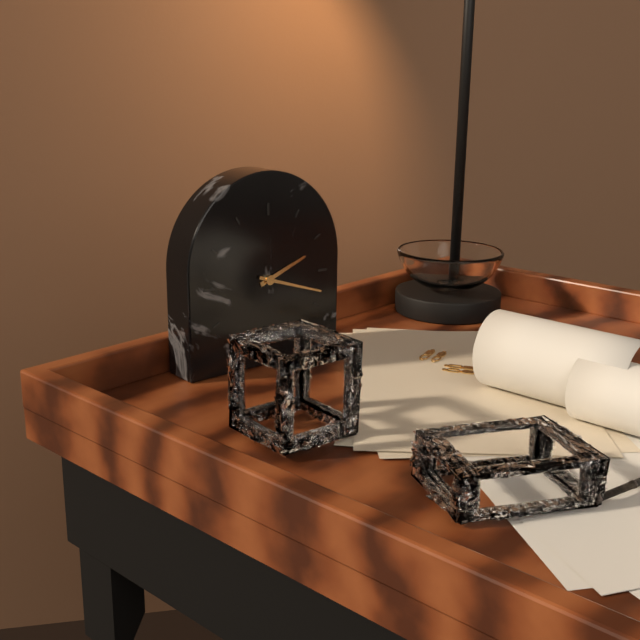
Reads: 2,18
